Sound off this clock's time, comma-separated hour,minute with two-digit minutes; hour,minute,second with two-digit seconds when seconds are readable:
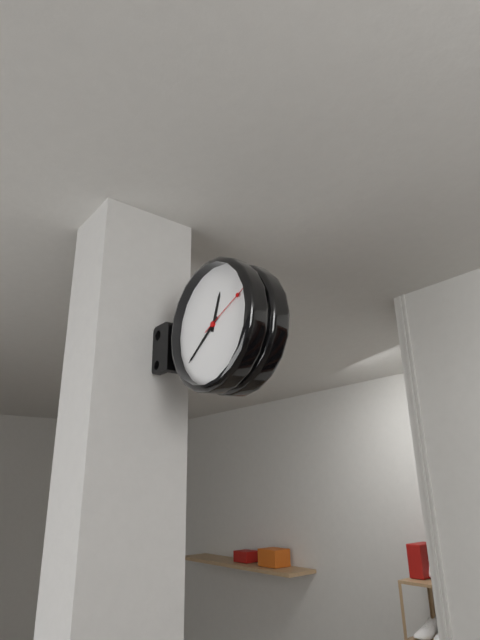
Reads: 12,39,11
